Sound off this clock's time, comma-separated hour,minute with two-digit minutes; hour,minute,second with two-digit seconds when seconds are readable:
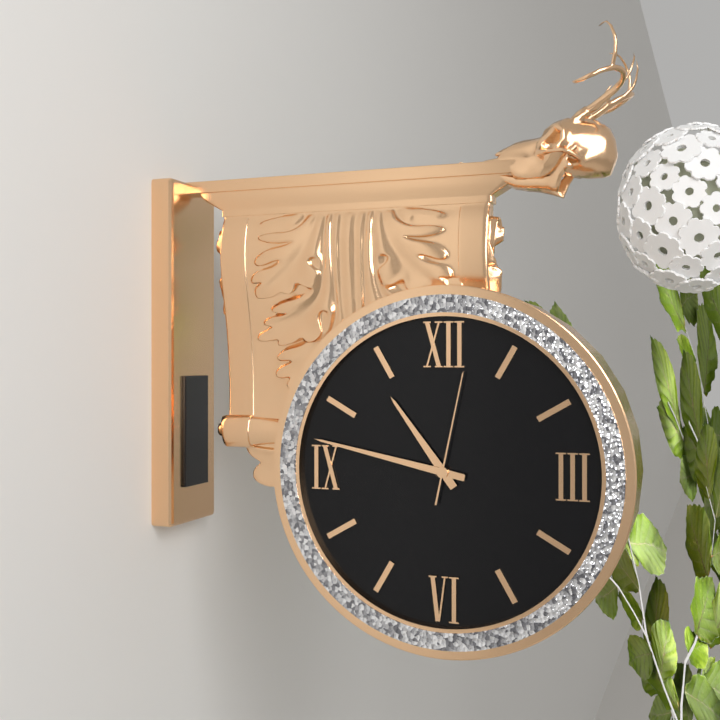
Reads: 10,47,02
